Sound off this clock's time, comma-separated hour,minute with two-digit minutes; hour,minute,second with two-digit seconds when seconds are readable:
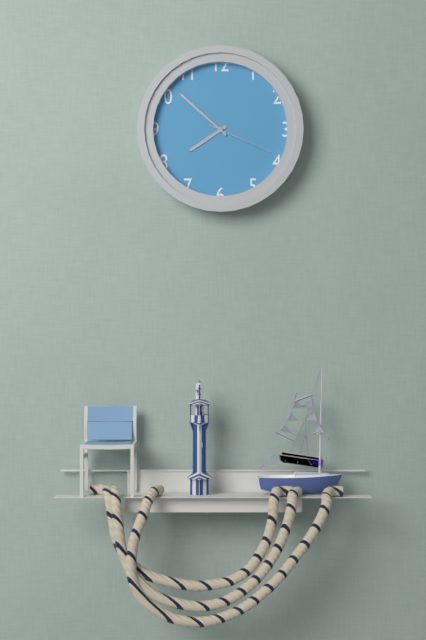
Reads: 7,52,19
